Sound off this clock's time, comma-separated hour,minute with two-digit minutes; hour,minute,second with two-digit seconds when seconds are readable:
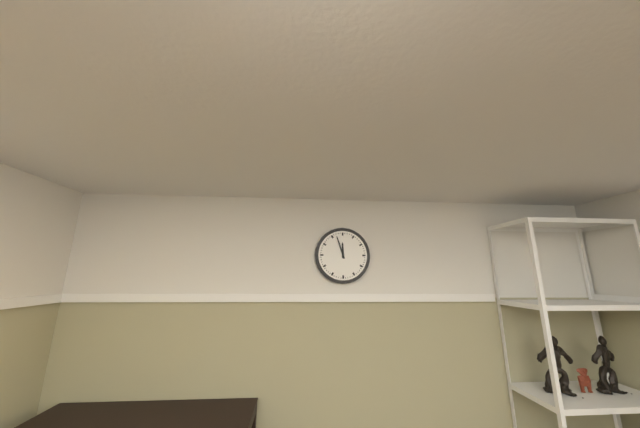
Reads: 11,57
